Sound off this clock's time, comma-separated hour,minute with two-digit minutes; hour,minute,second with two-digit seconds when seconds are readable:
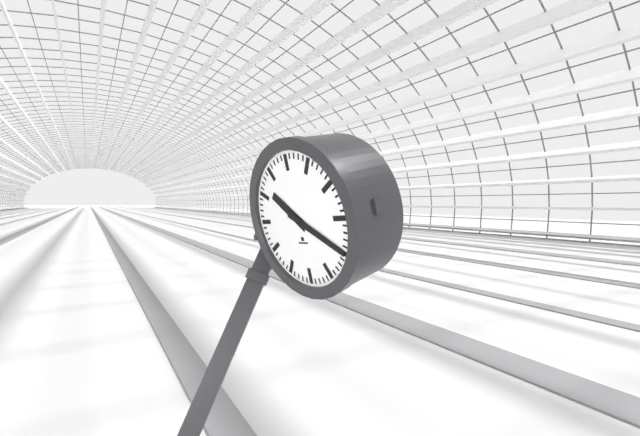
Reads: 10,20
